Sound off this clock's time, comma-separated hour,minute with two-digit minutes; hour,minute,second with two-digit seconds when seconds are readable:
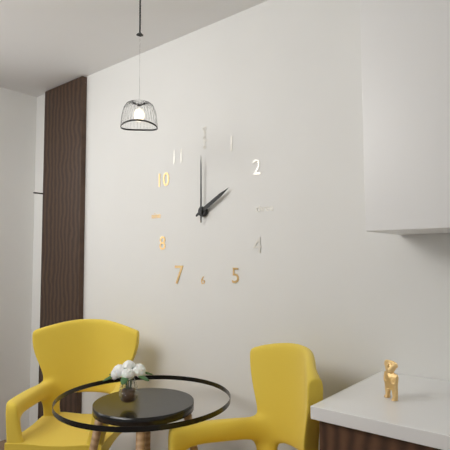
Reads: 2,00
